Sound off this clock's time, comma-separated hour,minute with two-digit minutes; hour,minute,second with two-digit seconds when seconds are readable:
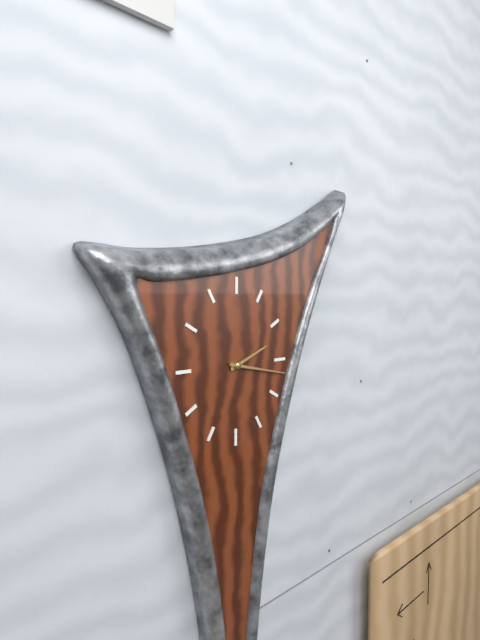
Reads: 2,17
